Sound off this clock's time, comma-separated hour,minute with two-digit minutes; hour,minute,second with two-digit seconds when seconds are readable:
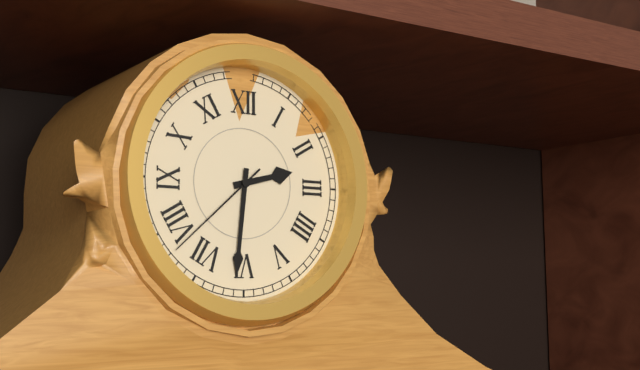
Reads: 2,31,38
